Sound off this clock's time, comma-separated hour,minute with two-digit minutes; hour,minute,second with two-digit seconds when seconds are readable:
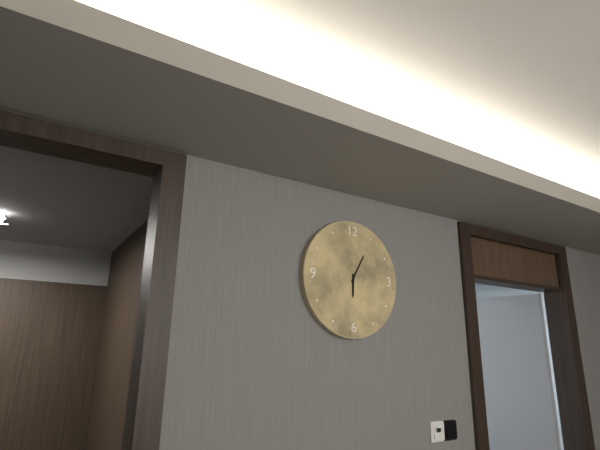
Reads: 6,05
